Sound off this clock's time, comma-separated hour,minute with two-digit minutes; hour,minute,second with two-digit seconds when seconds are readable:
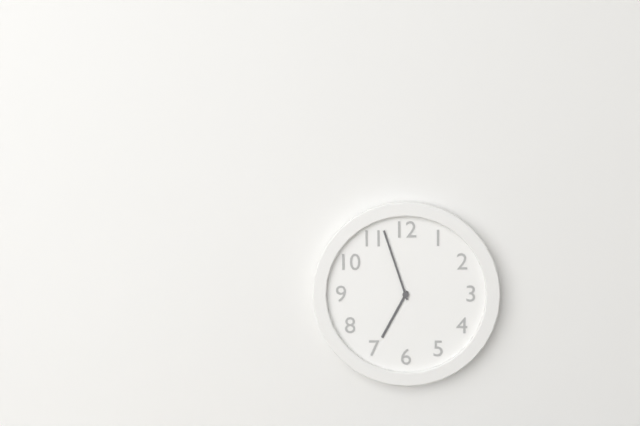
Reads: 6,57
